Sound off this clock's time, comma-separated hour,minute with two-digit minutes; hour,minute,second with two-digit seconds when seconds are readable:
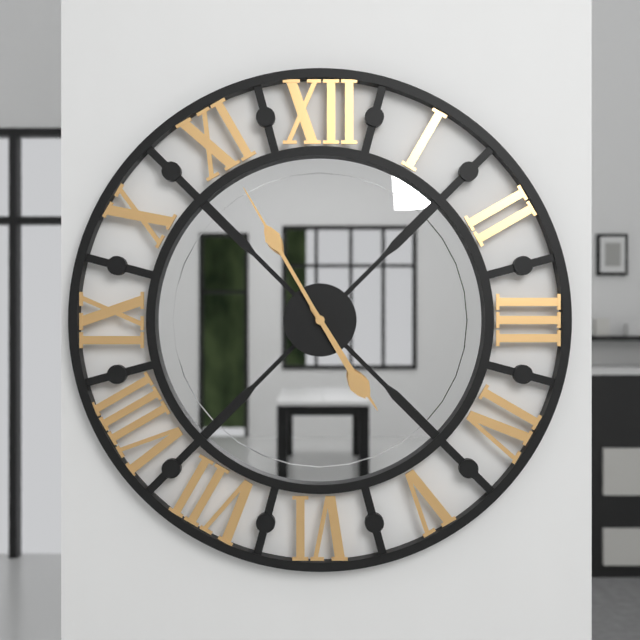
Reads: 4,55
